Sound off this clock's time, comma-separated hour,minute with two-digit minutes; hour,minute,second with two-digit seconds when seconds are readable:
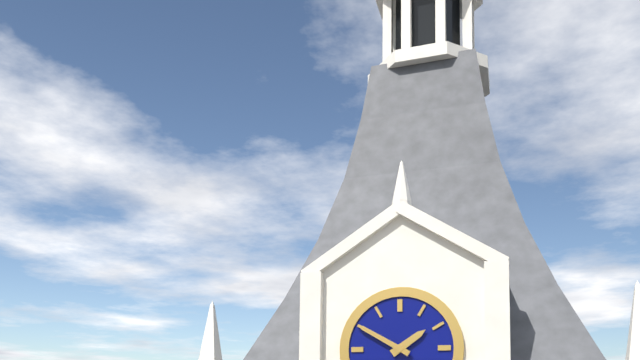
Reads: 1,50
